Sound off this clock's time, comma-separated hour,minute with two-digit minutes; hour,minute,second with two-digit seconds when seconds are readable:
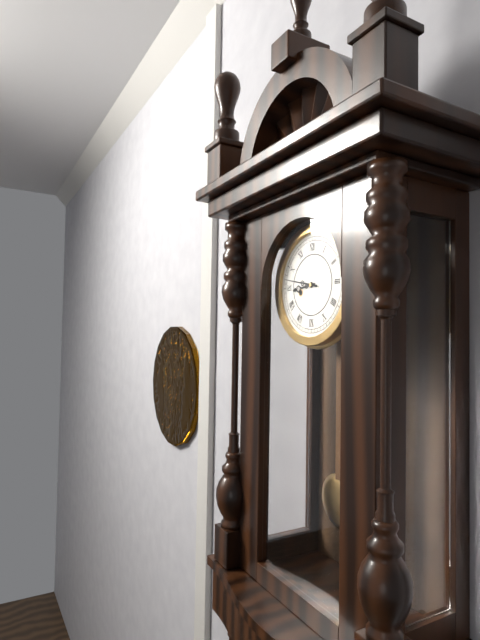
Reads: 8,47
